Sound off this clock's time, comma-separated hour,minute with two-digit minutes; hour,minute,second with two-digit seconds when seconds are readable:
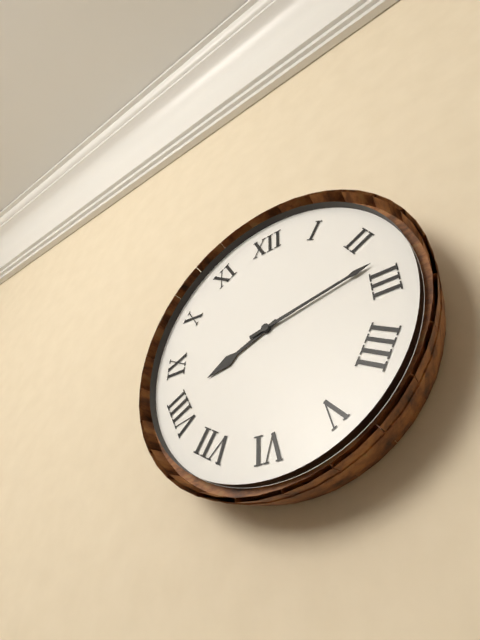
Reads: 8,13
